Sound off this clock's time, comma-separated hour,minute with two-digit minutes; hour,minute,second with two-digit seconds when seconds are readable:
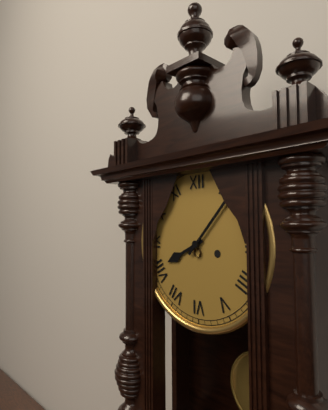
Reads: 8,07
